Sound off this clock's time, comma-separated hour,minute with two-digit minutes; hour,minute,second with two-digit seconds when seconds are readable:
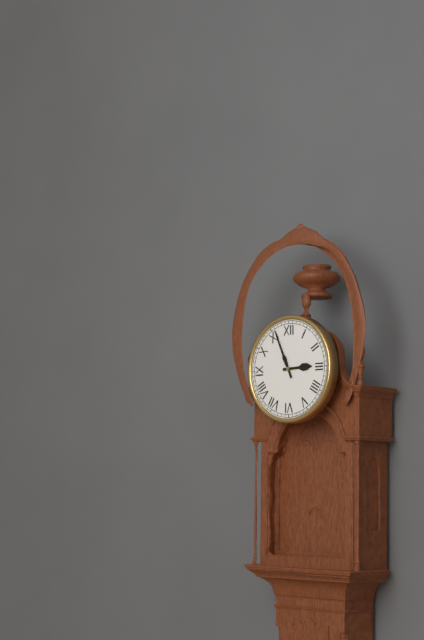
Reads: 2,56
